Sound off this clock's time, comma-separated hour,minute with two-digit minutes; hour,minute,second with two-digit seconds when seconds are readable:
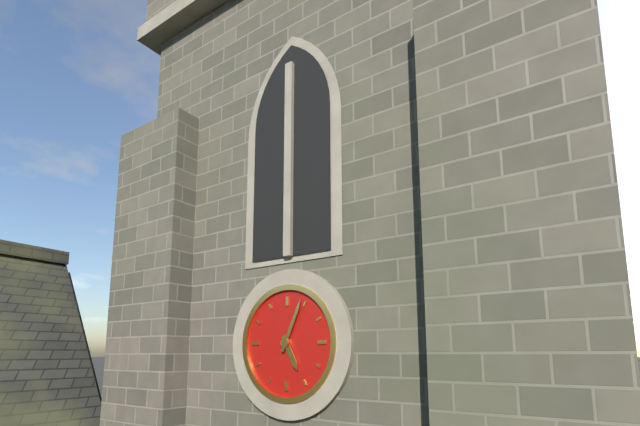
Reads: 5,04
